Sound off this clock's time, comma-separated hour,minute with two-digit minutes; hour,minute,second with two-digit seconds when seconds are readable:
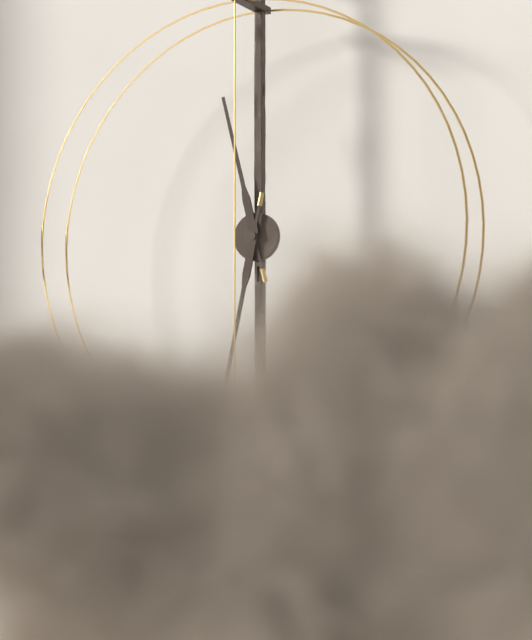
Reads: 11,32
